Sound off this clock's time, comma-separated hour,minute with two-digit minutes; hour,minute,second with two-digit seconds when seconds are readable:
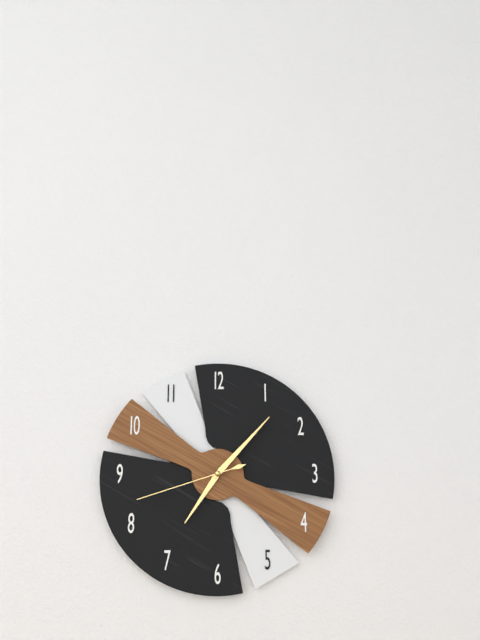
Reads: 7,07,42
